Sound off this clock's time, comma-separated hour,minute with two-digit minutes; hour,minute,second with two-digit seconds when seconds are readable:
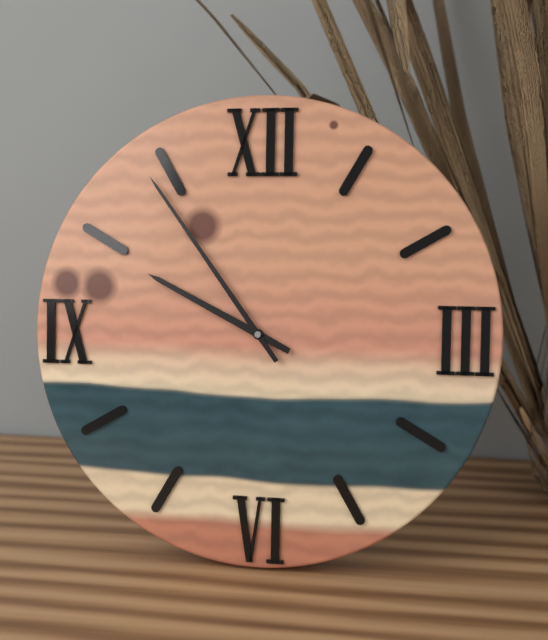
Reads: 9,54
